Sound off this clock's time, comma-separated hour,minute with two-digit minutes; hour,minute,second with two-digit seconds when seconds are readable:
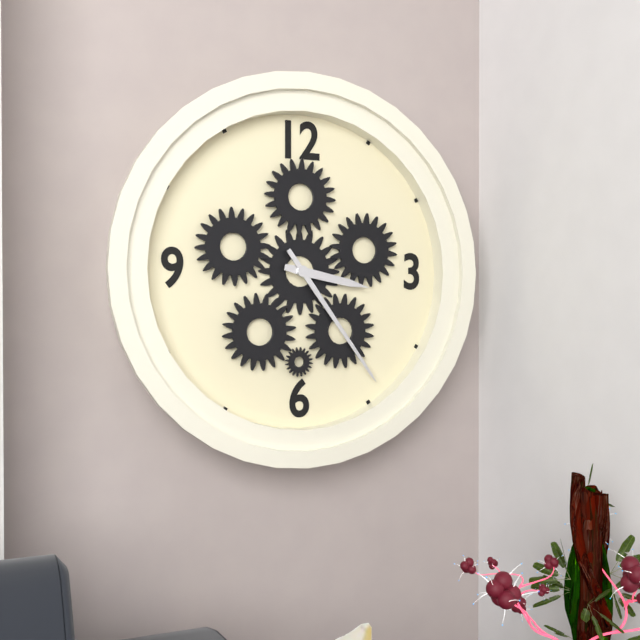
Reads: 3,24
